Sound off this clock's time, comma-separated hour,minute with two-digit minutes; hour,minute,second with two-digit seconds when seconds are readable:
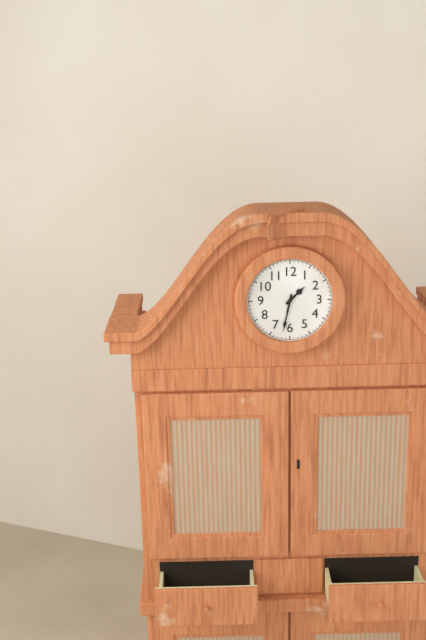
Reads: 1,32
